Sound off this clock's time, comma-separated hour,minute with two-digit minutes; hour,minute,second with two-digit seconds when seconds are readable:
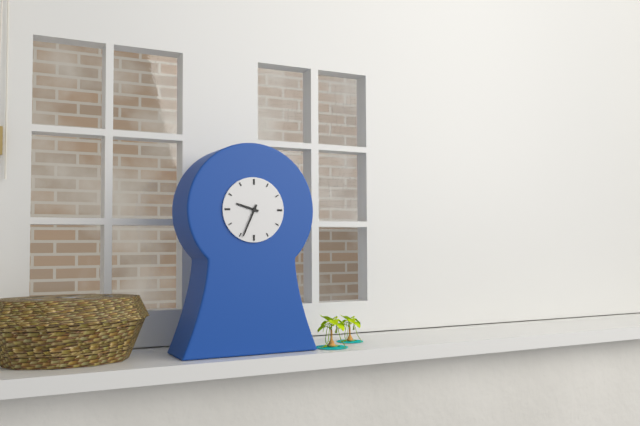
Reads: 9,34
